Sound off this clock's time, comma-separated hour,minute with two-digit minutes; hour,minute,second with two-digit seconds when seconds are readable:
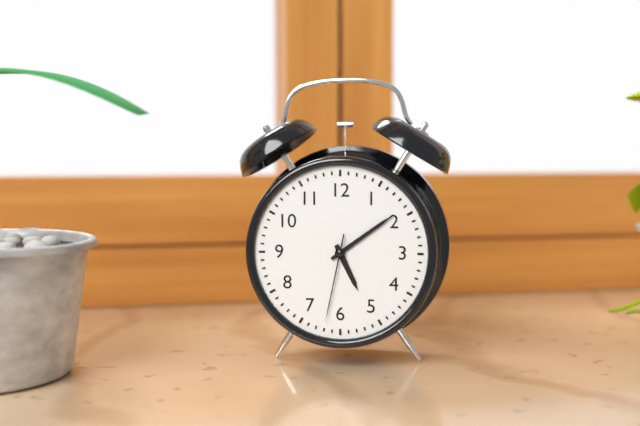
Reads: 5,09,32
